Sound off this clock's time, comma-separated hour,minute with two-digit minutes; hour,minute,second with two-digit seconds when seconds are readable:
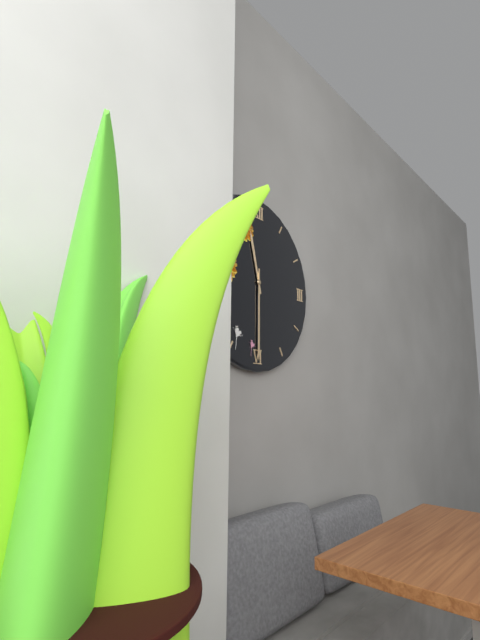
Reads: 11,30
